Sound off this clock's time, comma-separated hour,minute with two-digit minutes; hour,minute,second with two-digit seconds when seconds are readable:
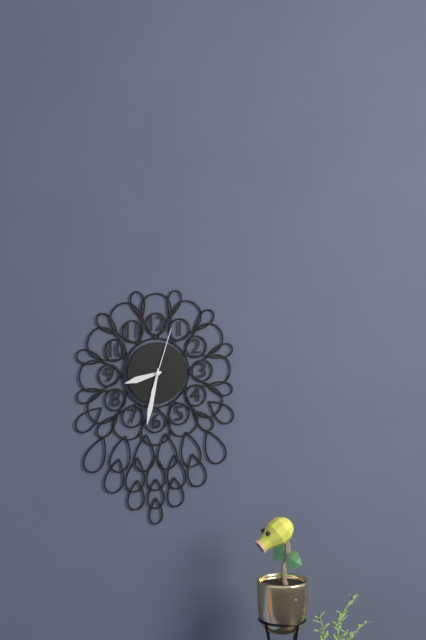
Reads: 8,32,03
